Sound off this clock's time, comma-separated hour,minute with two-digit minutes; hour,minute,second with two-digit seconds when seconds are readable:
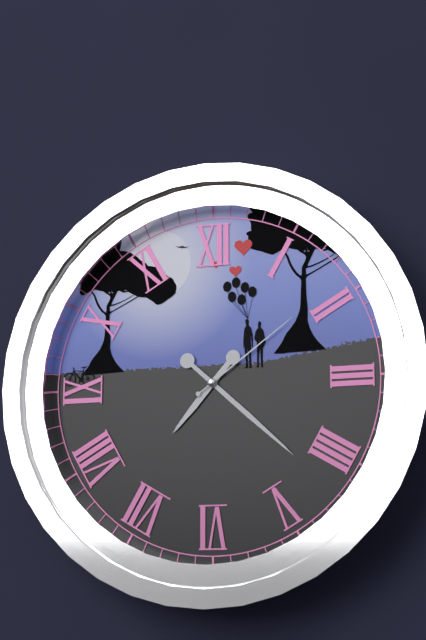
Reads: 7,22,09
